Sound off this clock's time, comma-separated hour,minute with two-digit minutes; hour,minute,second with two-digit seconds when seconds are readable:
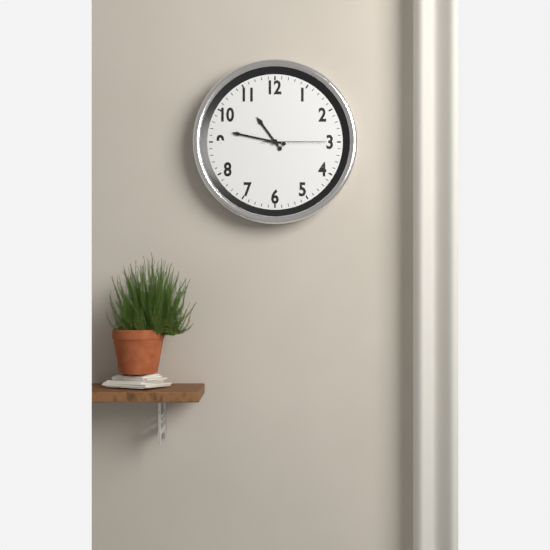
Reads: 10,47,15
